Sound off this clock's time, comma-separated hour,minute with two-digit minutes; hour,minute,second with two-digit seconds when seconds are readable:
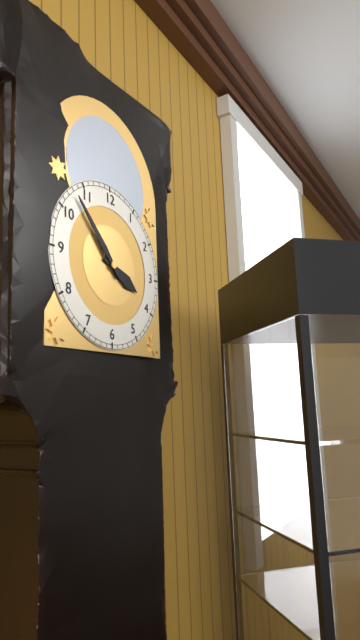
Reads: 3,53
